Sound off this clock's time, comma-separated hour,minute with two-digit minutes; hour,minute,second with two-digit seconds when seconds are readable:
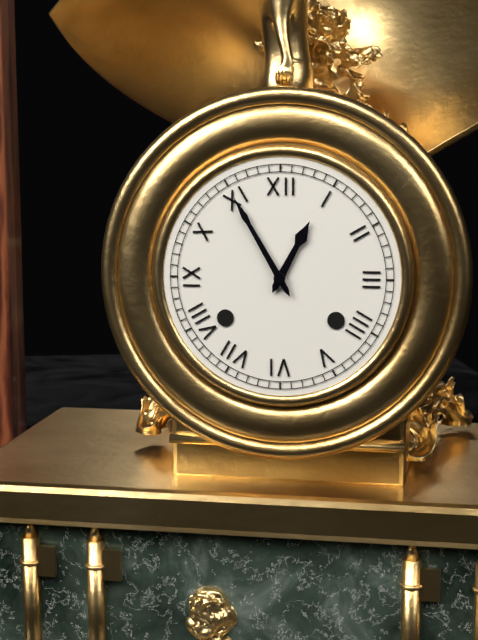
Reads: 12,55
